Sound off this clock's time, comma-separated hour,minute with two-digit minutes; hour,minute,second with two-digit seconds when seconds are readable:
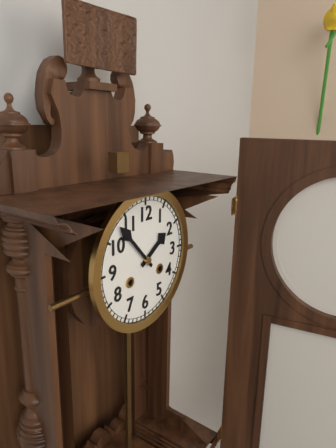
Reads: 1,53
